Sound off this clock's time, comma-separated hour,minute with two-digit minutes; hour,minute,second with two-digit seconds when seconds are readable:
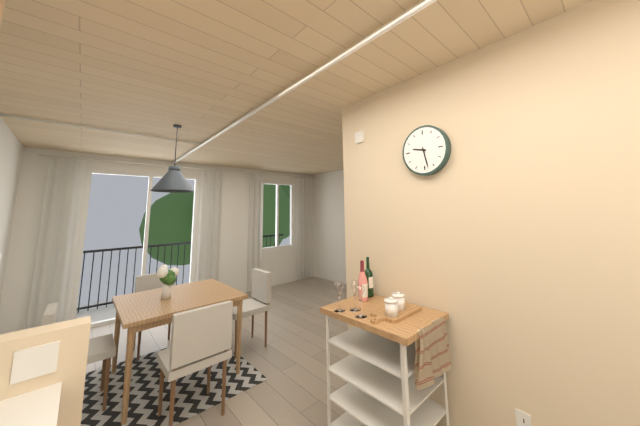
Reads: 9,28
